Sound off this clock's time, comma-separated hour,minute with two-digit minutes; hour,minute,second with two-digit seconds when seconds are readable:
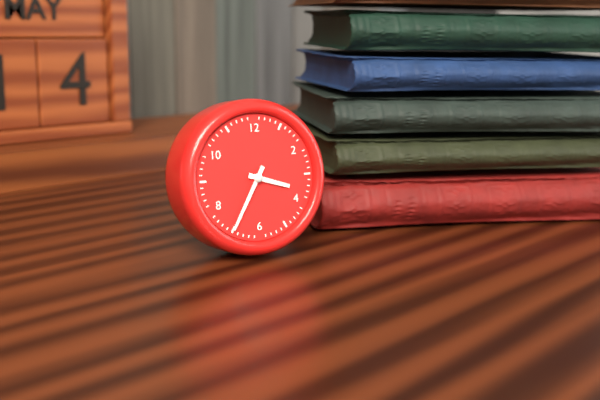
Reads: 3,35
